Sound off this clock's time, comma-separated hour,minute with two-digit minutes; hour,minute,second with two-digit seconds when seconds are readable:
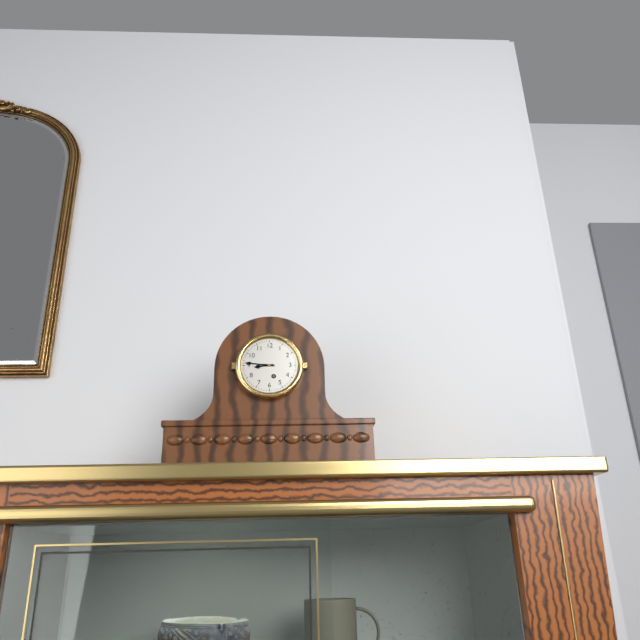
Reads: 8,46
